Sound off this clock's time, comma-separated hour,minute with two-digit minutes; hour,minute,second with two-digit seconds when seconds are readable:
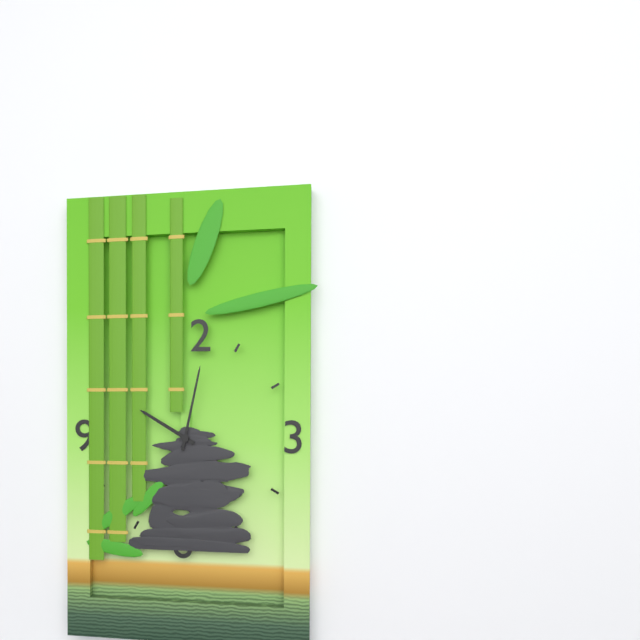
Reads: 10,02
